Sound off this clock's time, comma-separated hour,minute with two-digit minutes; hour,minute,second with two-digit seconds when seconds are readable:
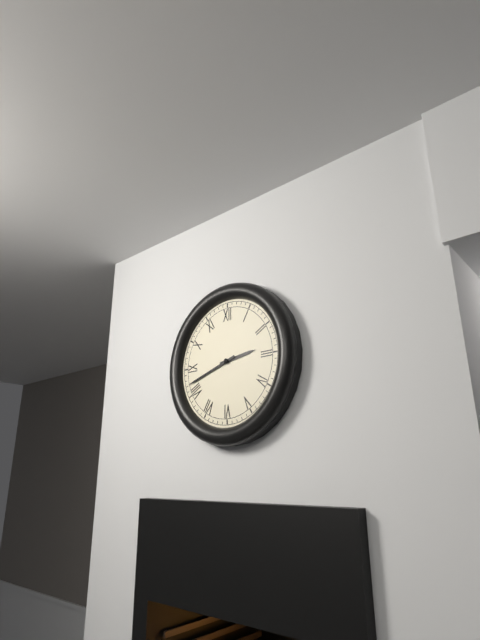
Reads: 2,42
